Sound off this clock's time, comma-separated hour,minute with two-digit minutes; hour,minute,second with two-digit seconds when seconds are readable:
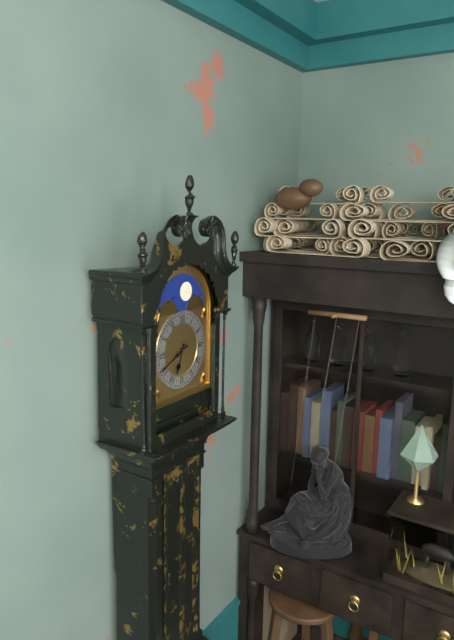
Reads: 6,41
